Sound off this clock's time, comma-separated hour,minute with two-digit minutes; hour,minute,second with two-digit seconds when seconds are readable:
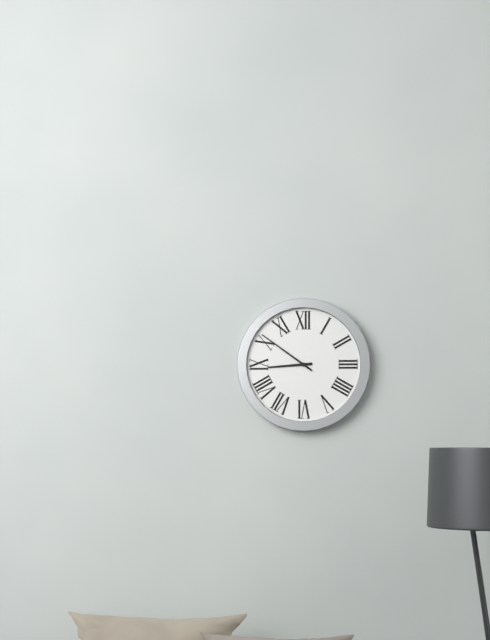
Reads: 8,51
